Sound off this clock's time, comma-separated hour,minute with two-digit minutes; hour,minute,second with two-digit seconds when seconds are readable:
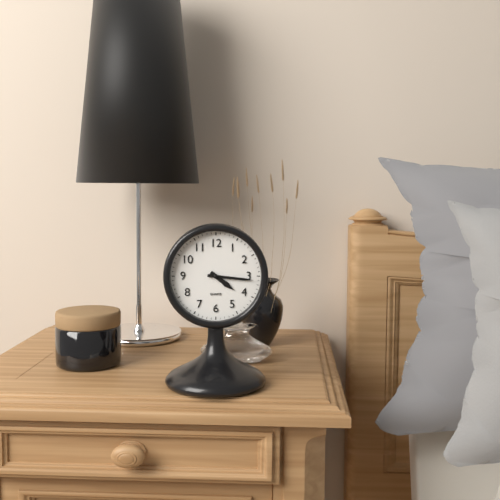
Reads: 4,16
